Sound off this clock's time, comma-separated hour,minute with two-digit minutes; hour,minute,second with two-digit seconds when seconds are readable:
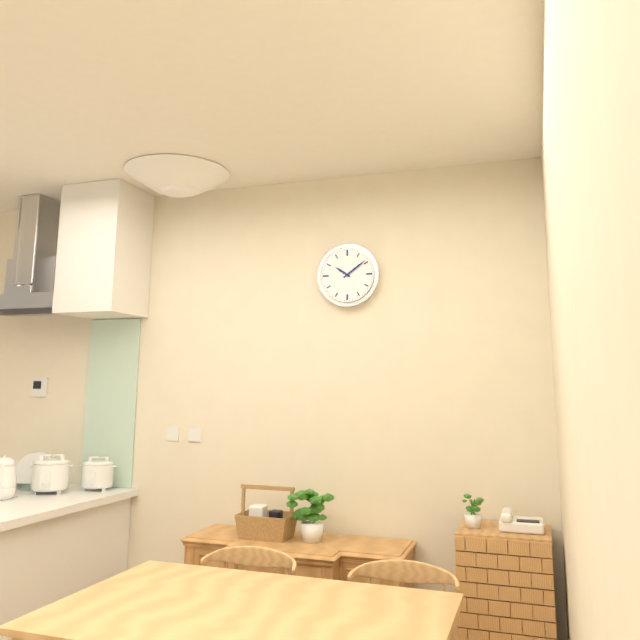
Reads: 10,09
